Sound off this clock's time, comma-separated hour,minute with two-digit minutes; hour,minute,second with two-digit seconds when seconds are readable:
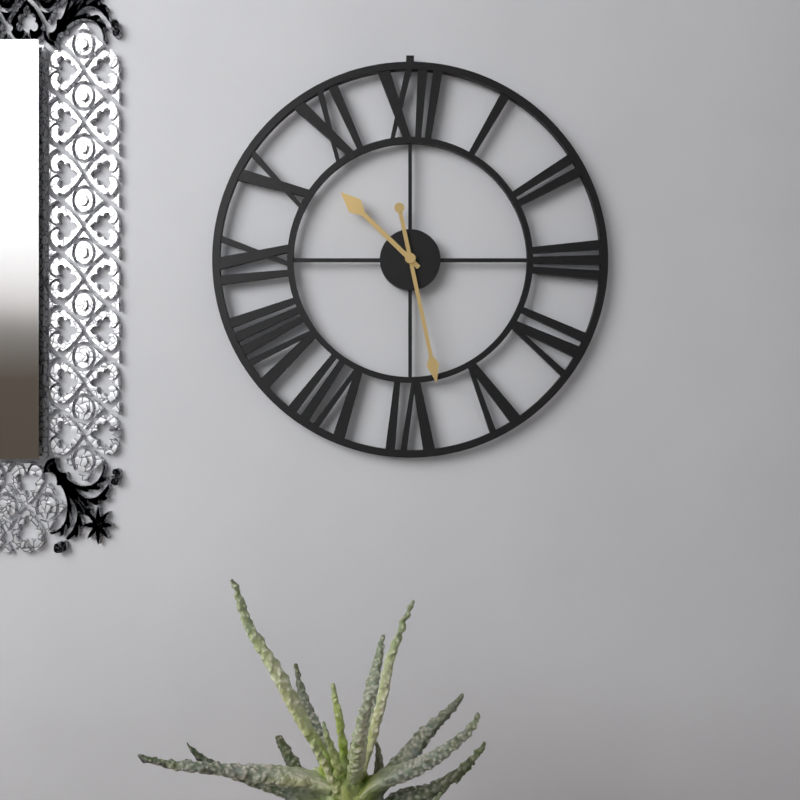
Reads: 10,28
